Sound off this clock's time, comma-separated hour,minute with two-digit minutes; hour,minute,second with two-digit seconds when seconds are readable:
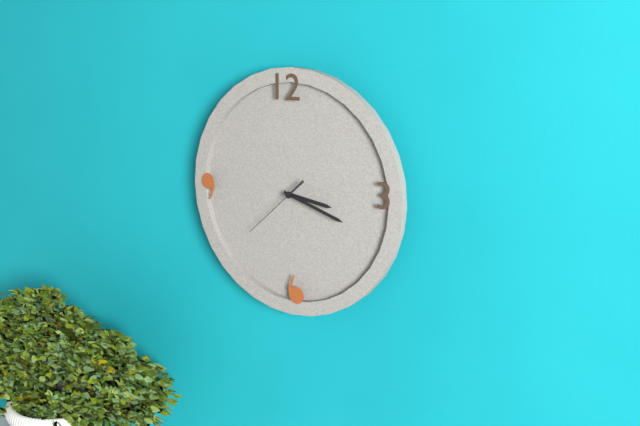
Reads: 3,18,38
